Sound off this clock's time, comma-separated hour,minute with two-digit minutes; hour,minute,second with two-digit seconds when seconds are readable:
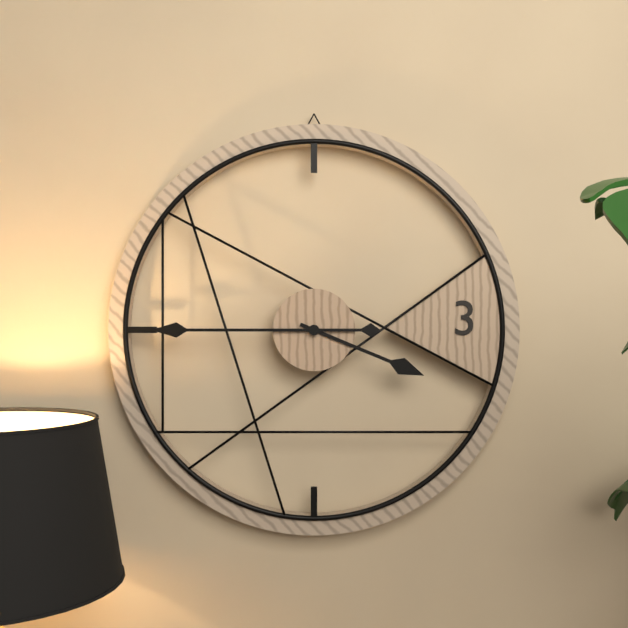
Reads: 3,45
